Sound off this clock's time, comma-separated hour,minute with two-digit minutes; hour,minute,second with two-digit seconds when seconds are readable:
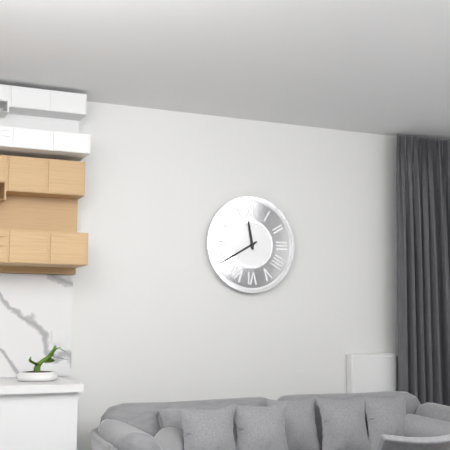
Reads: 11,40
